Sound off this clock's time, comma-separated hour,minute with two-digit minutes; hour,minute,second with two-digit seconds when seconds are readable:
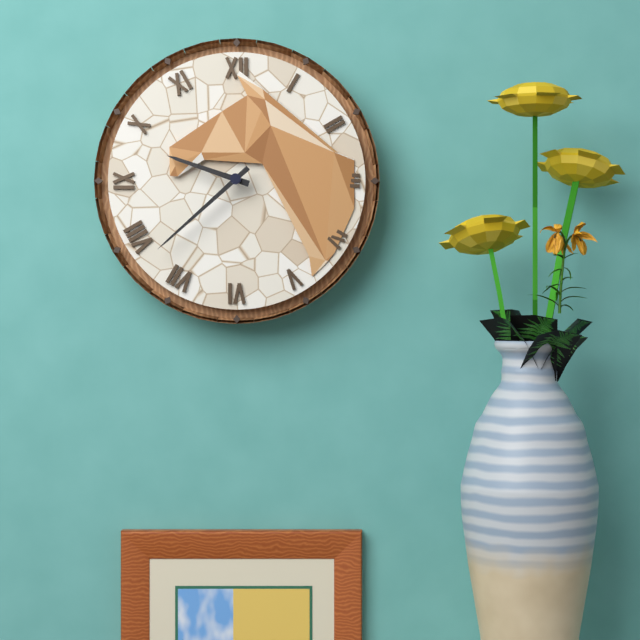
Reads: 9,38
